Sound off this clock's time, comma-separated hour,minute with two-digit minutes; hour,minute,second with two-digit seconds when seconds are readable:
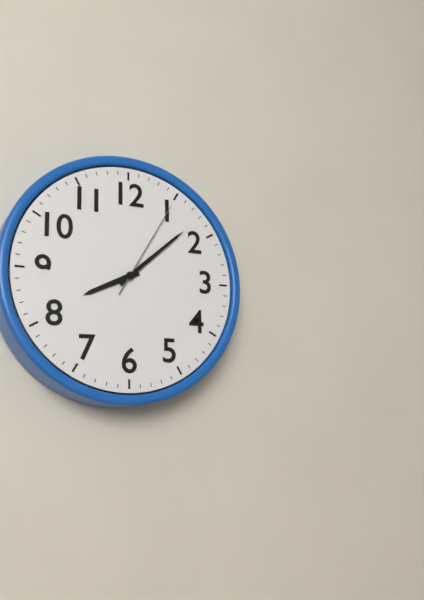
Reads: 8,08,05
